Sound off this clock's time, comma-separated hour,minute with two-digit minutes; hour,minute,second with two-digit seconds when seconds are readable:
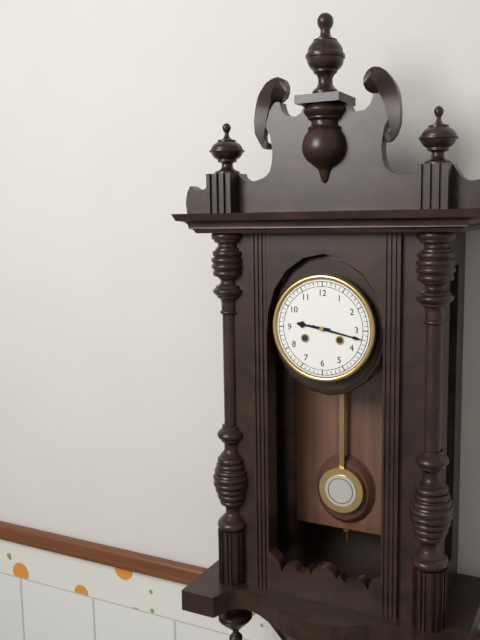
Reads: 9,17
